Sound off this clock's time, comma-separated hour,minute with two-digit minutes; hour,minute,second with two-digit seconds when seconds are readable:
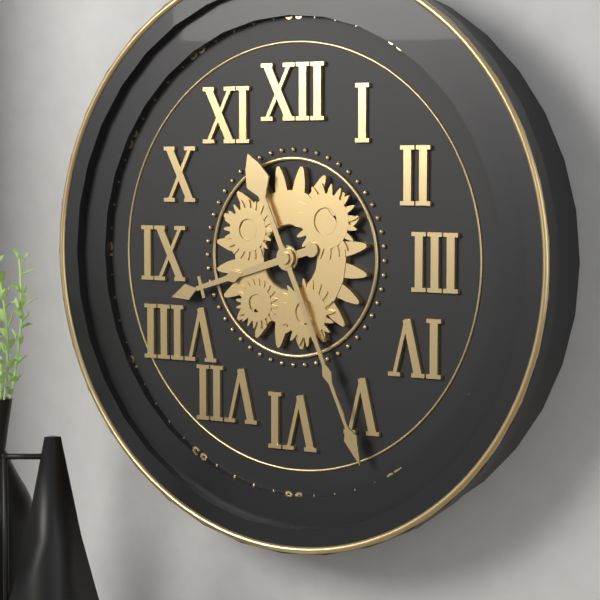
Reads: 8,26
